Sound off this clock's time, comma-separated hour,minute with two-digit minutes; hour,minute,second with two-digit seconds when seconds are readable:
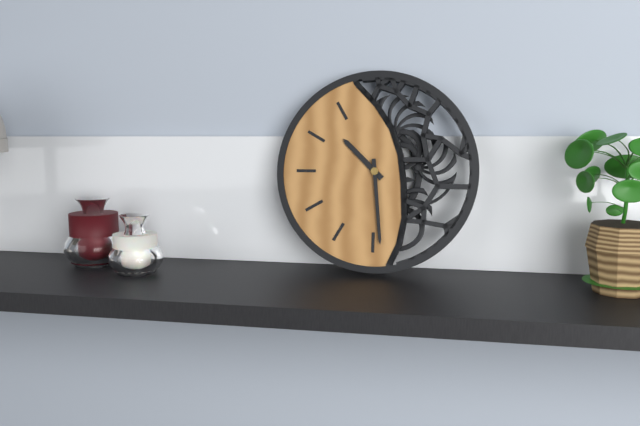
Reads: 10,29
